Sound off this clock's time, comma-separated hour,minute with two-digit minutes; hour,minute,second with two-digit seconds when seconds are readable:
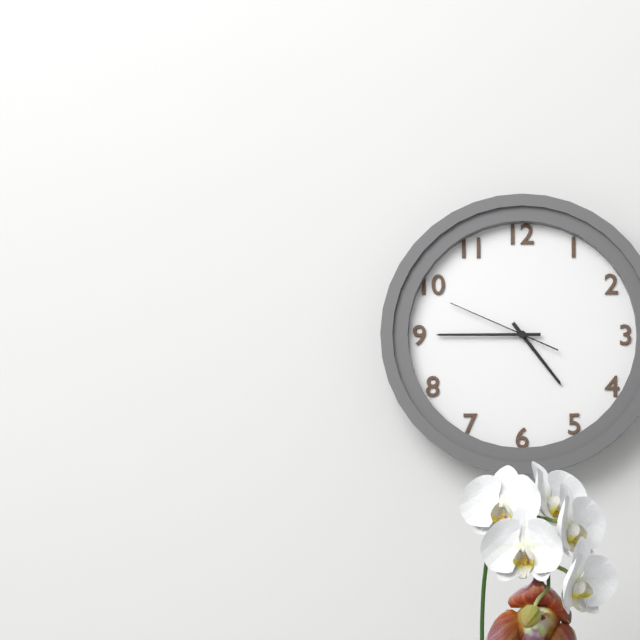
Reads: 4,45,49
